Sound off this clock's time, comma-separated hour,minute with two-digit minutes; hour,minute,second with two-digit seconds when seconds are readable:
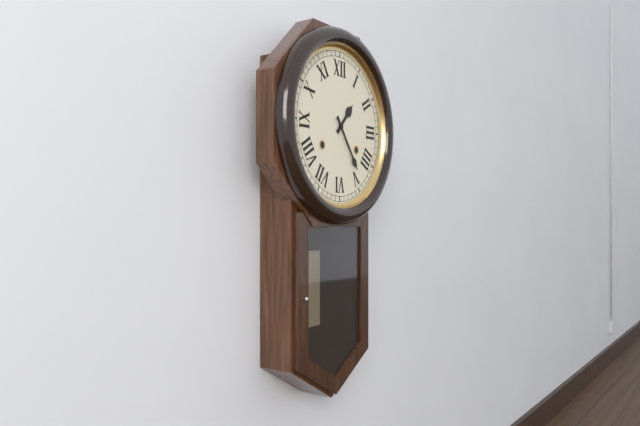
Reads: 1,24
